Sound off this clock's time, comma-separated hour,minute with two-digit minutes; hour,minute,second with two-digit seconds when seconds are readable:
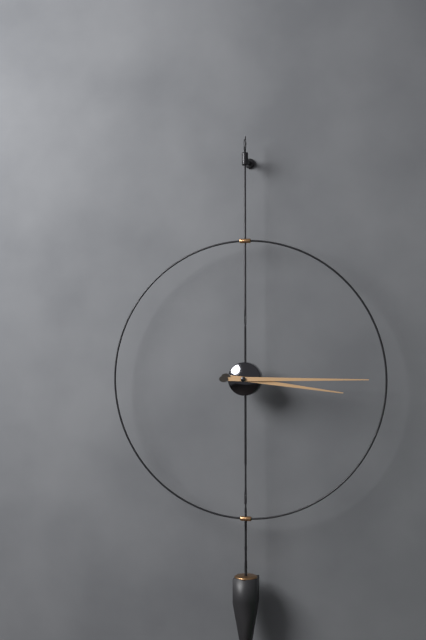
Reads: 3,15
